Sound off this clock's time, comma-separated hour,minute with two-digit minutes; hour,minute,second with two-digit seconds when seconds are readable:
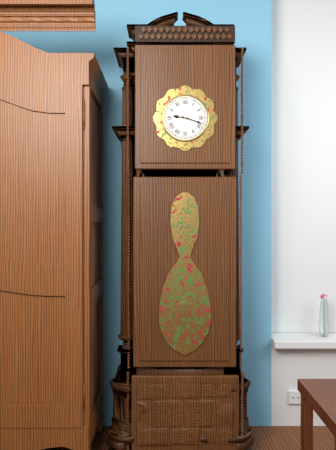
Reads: 9,18
